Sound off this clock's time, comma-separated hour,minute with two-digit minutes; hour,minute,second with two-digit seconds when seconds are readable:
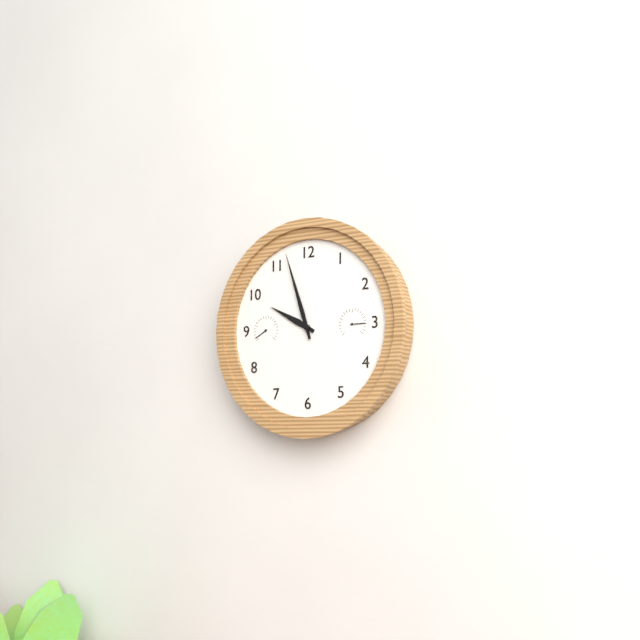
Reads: 9,57
